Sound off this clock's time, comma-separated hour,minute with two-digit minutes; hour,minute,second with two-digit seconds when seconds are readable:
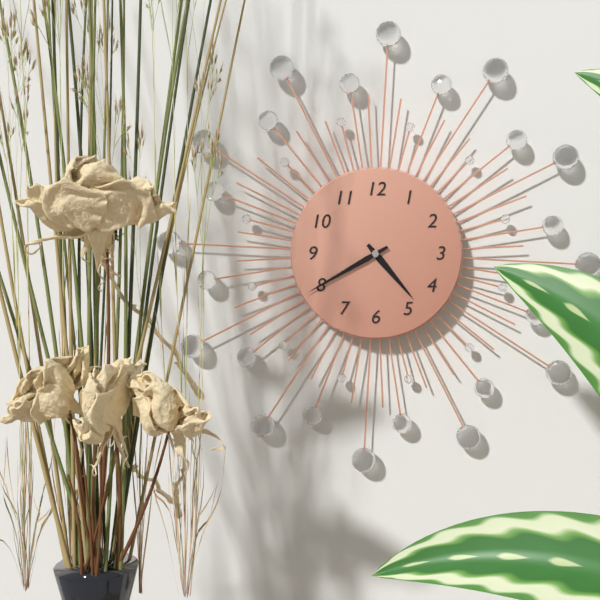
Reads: 4,40
